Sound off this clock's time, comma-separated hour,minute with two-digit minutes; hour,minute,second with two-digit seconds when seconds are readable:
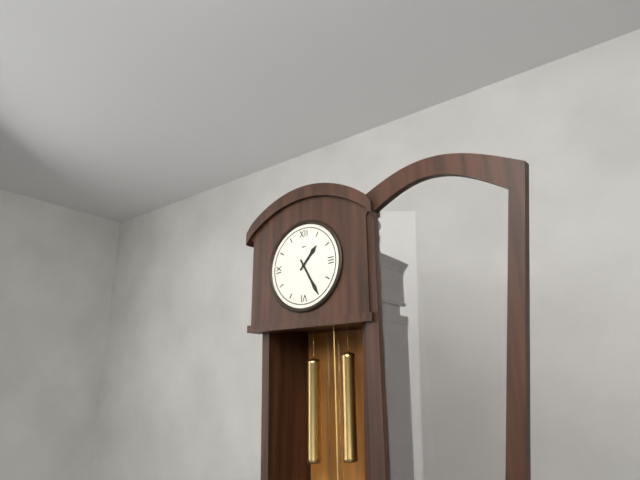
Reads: 1,25
